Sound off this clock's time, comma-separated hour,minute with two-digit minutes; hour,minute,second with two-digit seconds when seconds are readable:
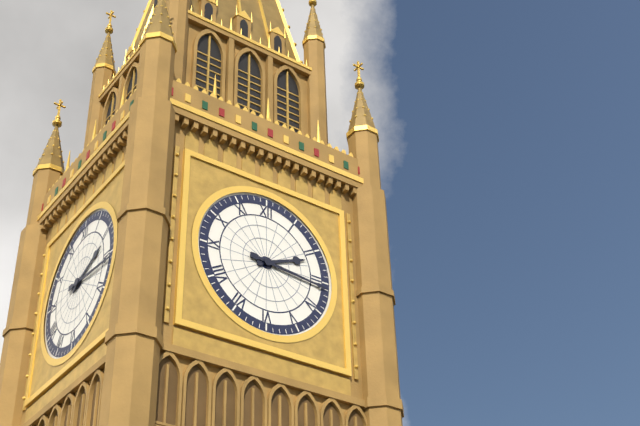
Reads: 2,16
